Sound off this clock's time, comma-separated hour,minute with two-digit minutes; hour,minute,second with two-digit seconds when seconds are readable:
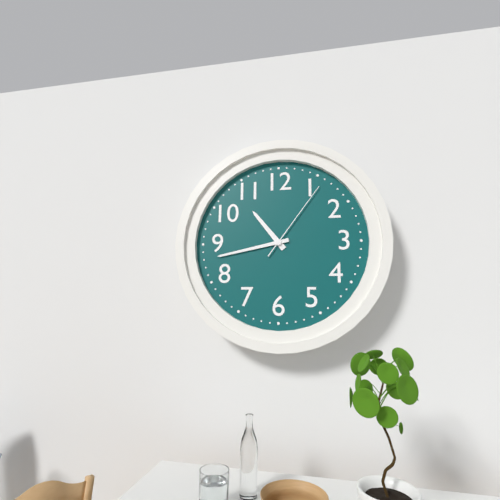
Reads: 10,43,06
